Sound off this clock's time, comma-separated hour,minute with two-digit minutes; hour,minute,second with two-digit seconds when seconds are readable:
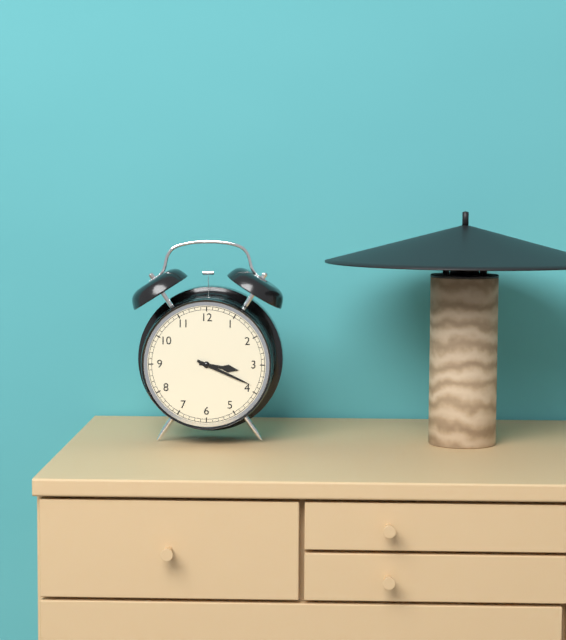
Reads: 3,19
